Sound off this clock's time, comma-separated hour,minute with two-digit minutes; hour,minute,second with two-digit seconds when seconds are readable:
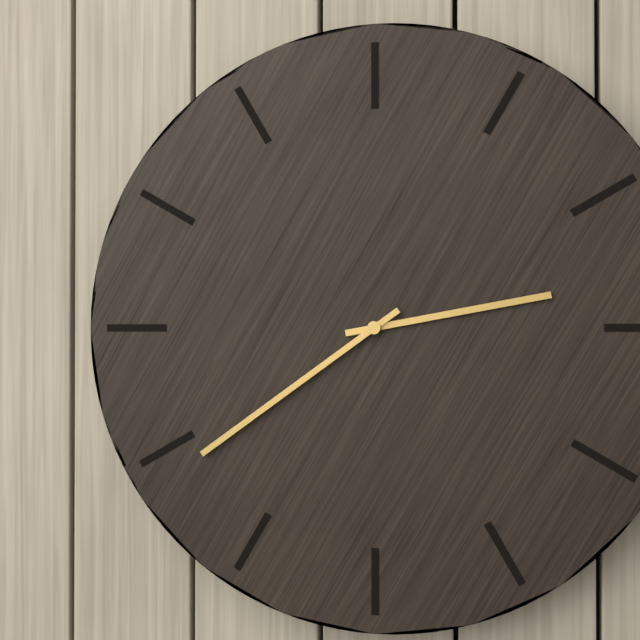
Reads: 2,39
